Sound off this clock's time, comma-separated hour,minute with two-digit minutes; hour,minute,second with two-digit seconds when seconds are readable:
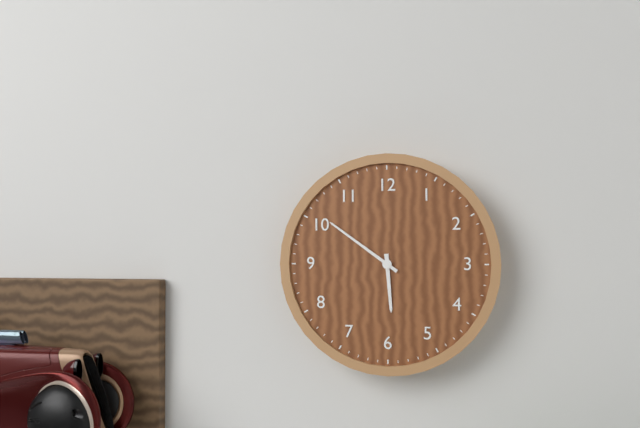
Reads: 5,51
